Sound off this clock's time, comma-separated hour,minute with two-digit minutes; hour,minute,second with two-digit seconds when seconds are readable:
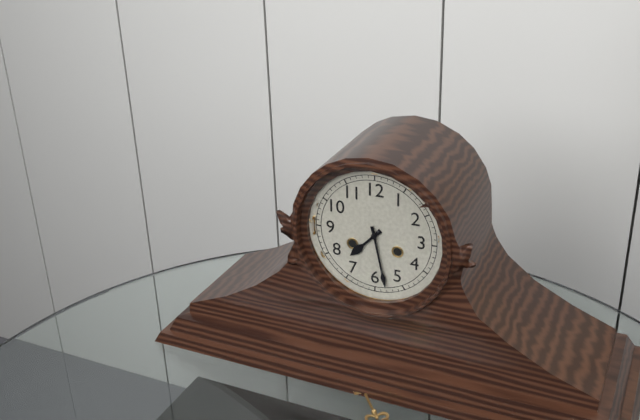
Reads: 7,28
